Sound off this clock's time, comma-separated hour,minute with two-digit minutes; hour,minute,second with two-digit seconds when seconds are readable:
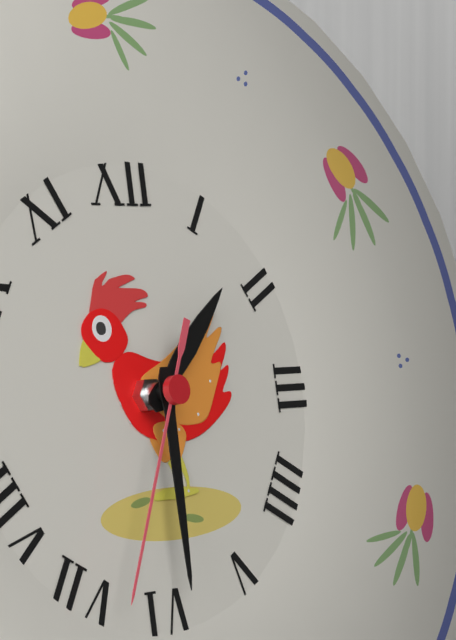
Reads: 1,30,34
